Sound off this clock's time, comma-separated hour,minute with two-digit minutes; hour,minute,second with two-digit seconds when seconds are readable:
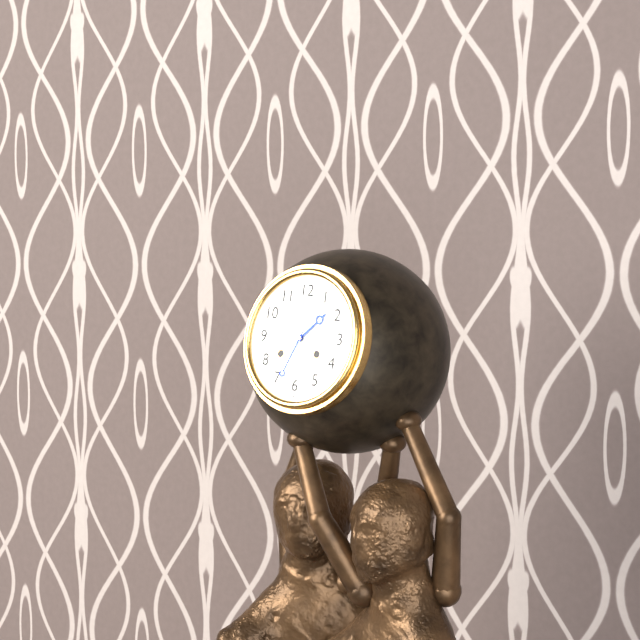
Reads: 1,34
